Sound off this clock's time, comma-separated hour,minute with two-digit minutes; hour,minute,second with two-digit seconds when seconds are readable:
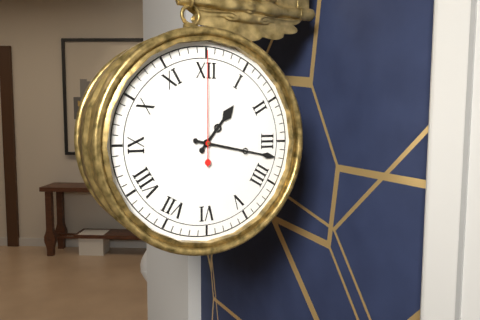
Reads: 1,17,00
